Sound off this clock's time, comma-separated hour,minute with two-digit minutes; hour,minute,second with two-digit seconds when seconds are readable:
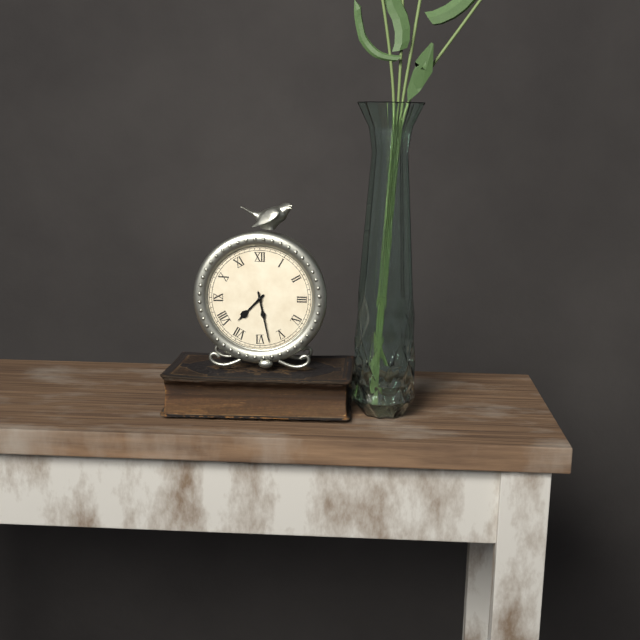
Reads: 7,28
